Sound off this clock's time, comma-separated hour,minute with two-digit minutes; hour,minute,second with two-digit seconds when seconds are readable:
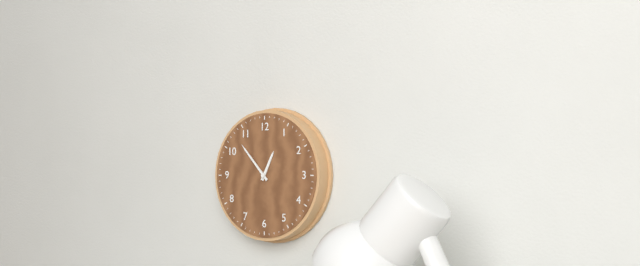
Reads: 12,53
